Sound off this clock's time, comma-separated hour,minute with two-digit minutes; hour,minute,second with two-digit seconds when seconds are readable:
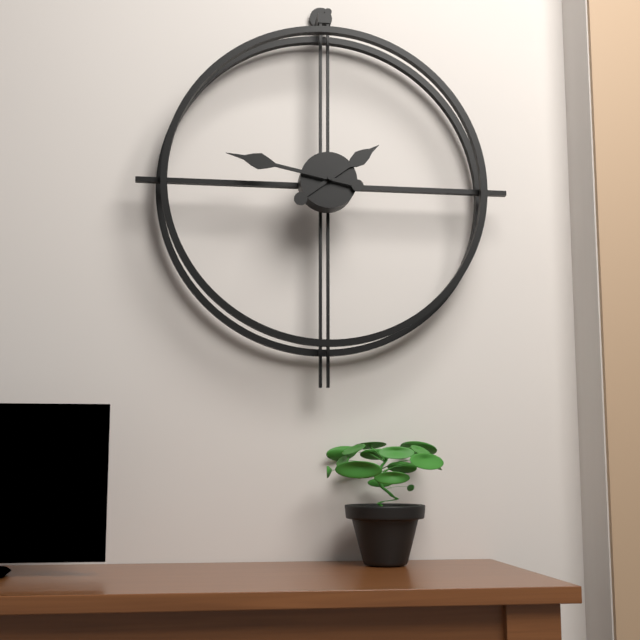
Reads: 1,47
